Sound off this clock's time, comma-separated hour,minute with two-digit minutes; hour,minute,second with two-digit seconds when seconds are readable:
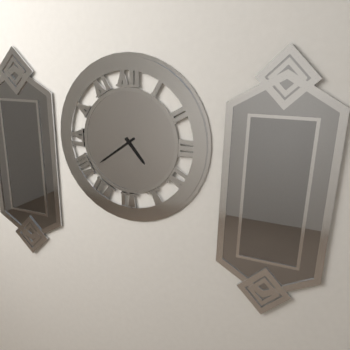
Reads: 4,39
